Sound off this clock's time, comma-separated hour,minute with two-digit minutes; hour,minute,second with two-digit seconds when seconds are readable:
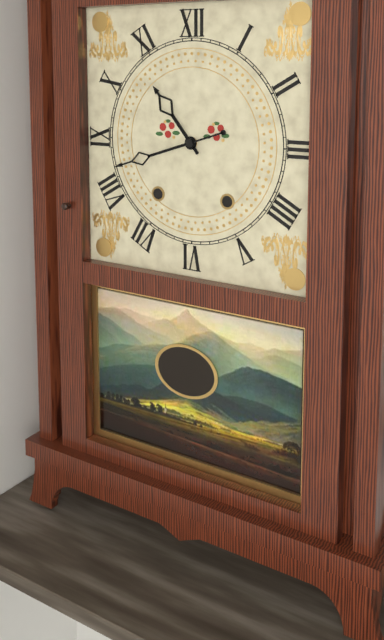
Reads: 10,42
